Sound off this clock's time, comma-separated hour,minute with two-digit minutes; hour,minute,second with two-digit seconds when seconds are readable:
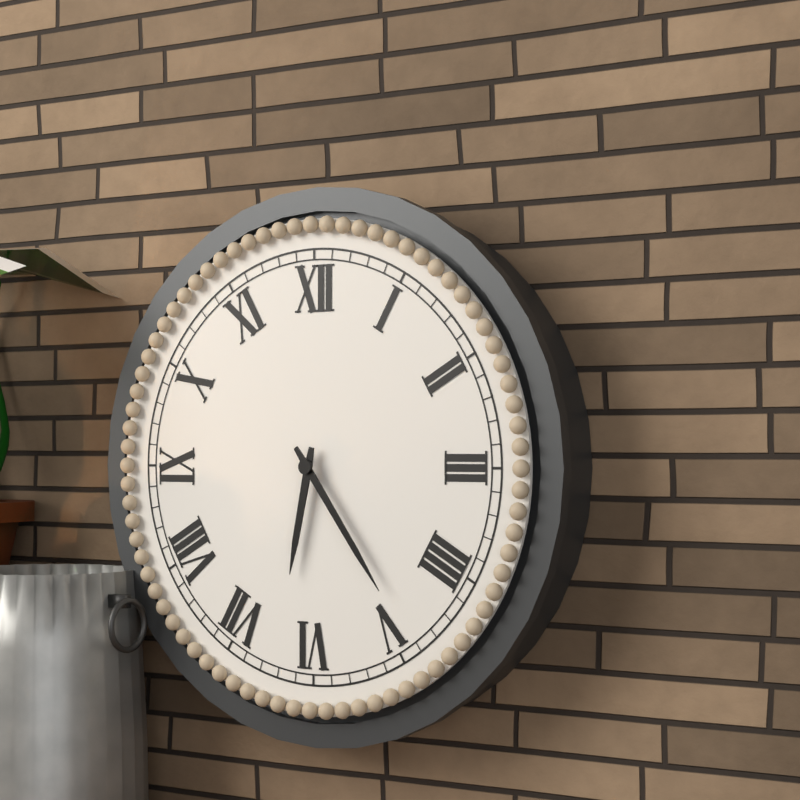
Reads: 6,24
